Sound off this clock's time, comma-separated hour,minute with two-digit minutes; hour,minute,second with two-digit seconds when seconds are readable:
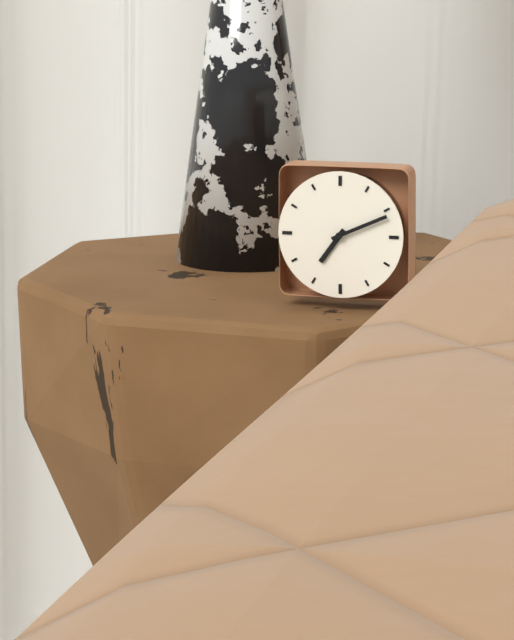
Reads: 7,11
